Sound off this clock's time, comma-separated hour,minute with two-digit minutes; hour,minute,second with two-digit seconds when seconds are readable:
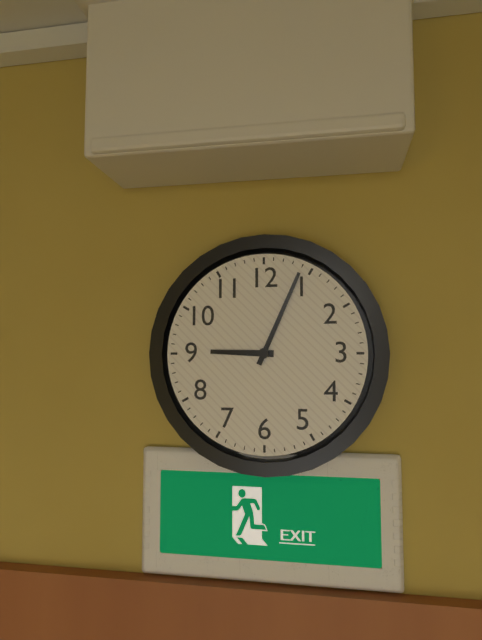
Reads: 9,04
